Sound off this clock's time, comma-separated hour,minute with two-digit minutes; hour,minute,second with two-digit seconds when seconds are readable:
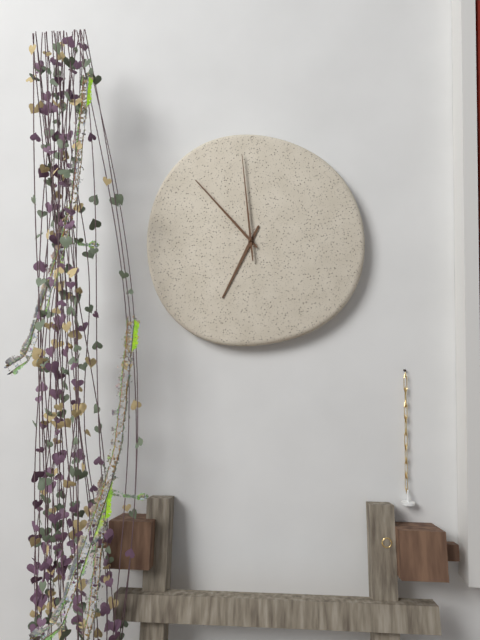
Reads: 6,53,59
